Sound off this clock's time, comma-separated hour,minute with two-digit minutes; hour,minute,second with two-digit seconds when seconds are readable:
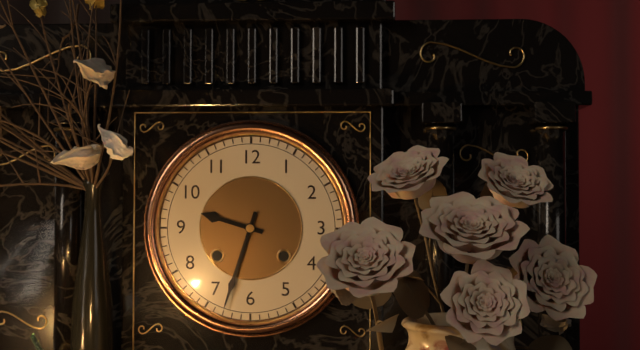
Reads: 9,33
